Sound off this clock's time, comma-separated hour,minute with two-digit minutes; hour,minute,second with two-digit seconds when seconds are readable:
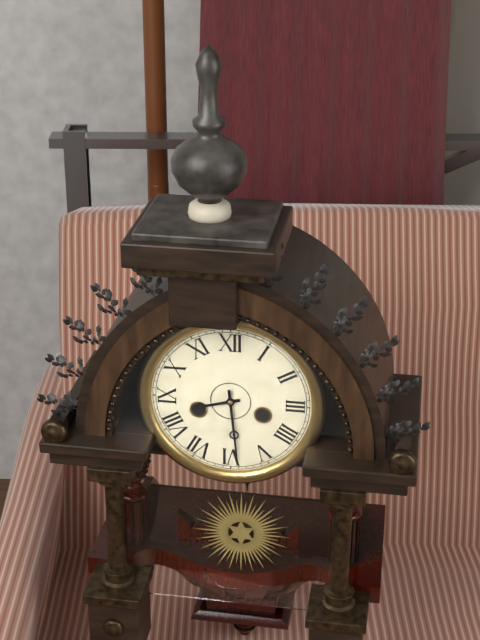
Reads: 8,29
